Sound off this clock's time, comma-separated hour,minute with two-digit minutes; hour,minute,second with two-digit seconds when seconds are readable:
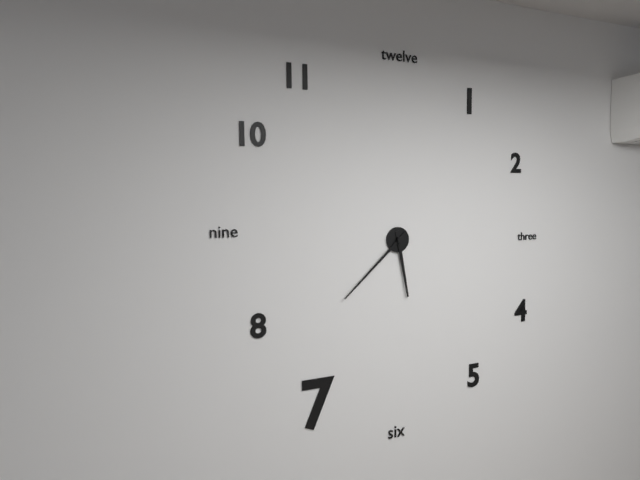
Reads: 5,38
